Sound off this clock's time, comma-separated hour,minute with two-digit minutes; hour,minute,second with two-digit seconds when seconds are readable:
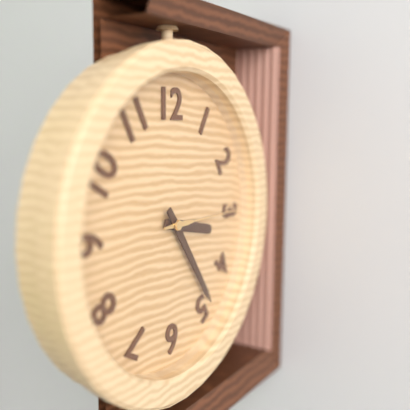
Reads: 3,24,15
